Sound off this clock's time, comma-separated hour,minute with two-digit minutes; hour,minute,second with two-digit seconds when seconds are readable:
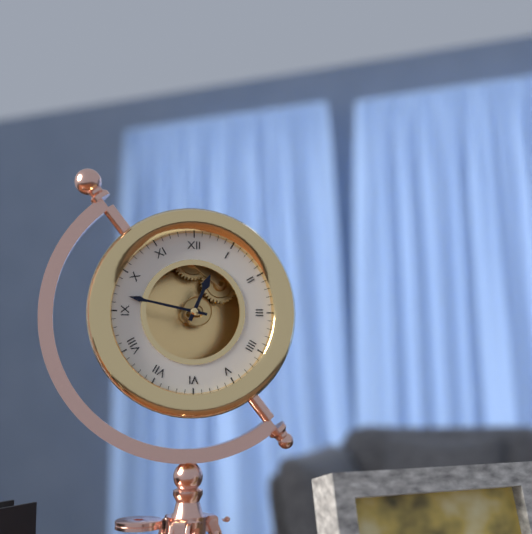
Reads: 12,47
